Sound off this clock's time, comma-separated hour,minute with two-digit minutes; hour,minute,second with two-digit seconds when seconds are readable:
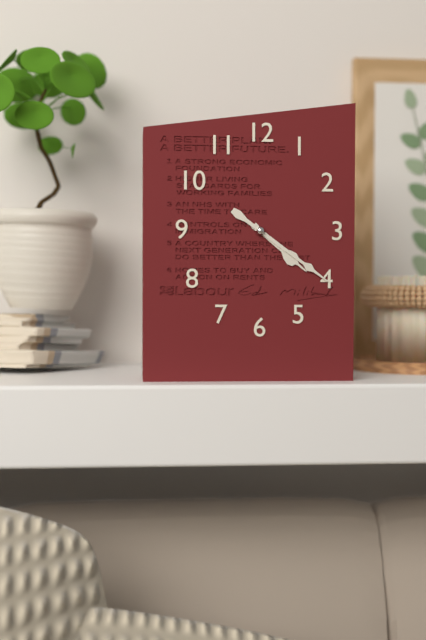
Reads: 4,21
